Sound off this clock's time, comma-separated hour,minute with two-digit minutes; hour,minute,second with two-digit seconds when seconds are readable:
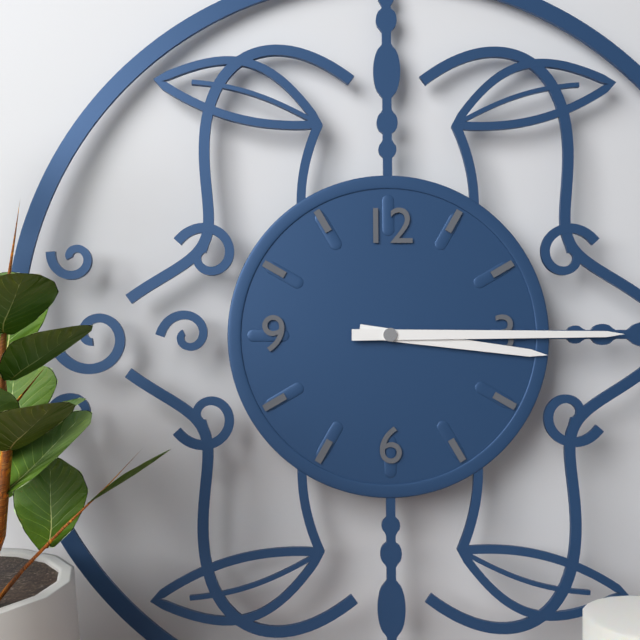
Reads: 3,15
